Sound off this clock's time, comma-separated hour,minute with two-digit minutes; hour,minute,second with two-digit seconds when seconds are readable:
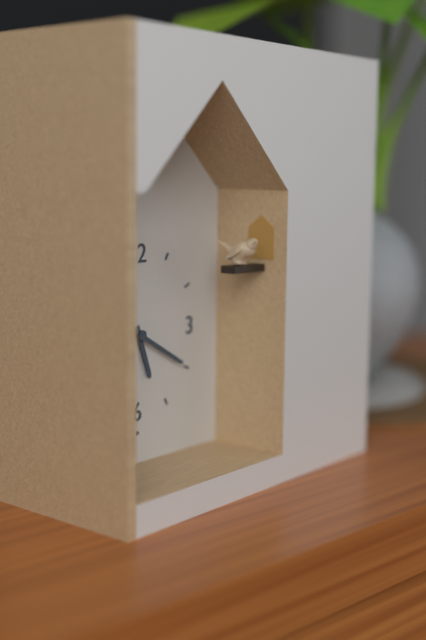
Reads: 5,20
